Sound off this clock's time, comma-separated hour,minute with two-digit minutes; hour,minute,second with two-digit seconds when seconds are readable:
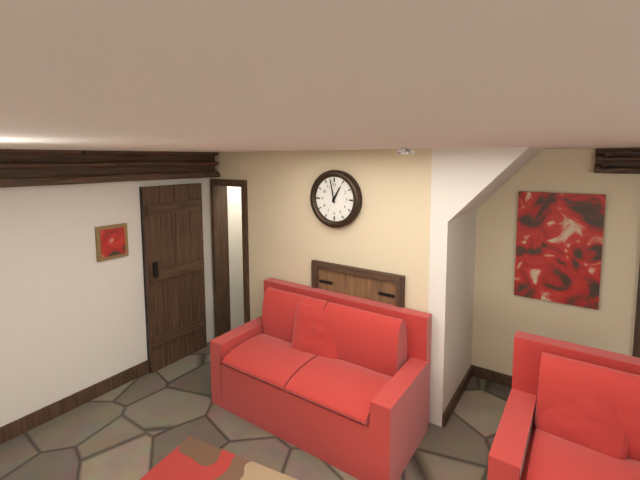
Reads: 12,58
